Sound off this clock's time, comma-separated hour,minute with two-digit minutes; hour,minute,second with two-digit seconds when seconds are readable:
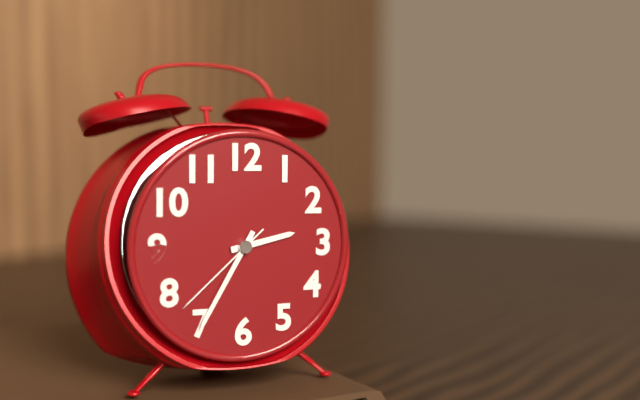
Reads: 2,35,38
